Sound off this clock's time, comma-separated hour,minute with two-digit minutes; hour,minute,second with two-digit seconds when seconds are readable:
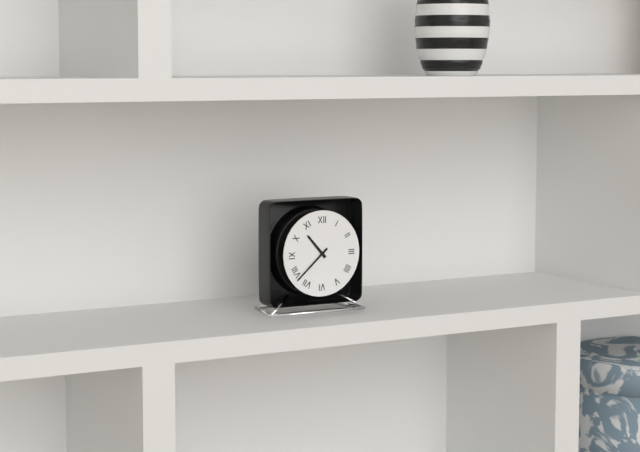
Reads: 10,38
